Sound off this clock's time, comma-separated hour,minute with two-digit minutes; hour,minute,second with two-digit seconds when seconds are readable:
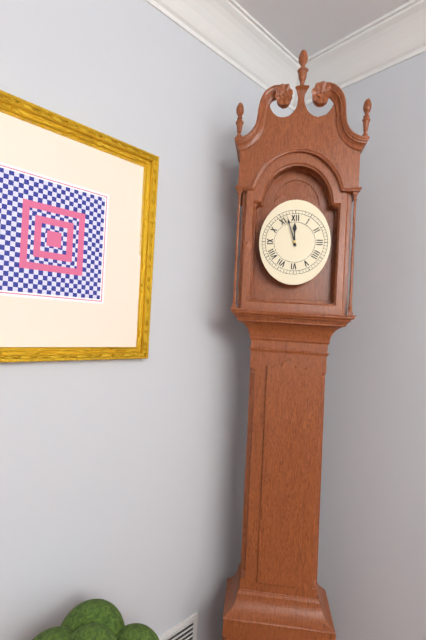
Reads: 11,57
